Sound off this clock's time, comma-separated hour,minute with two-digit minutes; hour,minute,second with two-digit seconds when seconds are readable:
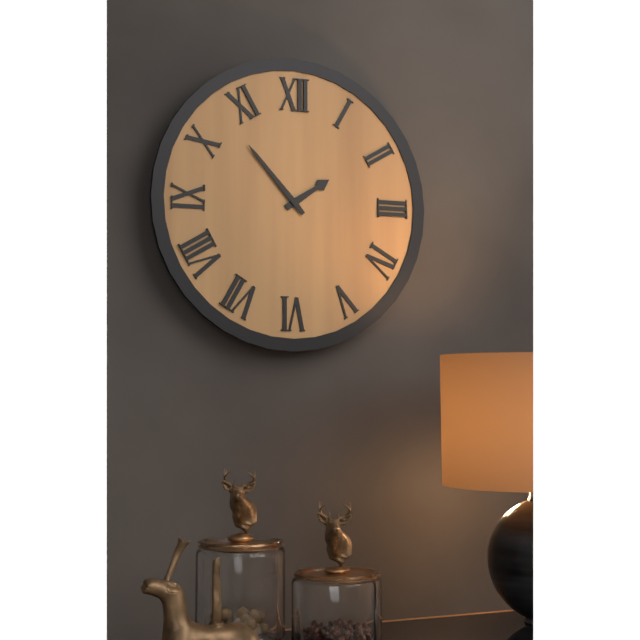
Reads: 1,53
